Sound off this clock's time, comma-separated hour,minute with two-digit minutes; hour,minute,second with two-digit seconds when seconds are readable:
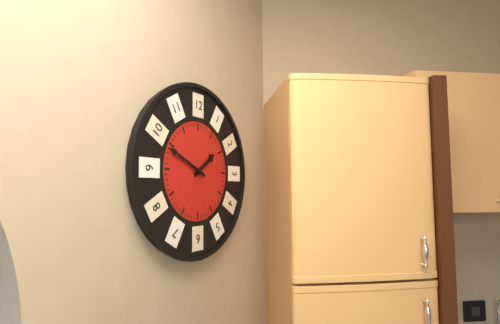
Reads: 1,49
